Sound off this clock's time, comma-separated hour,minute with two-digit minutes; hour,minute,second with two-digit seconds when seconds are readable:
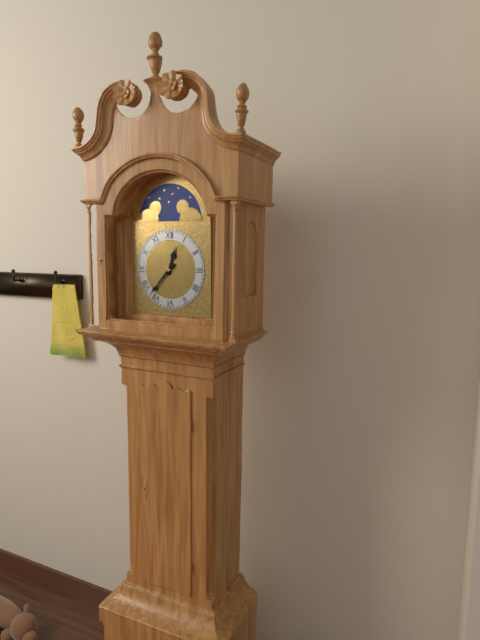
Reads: 12,37
